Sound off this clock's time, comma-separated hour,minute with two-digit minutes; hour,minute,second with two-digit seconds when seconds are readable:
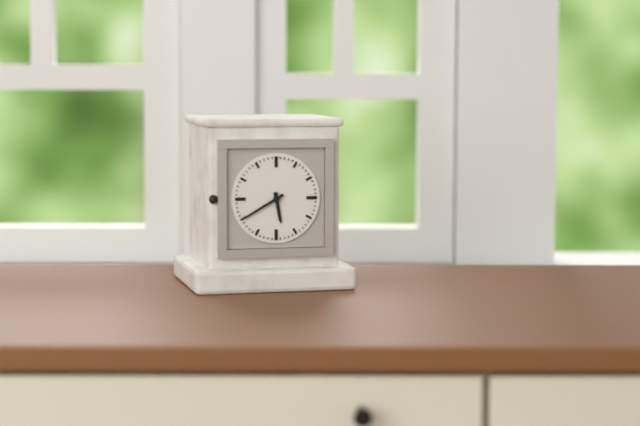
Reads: 5,40
